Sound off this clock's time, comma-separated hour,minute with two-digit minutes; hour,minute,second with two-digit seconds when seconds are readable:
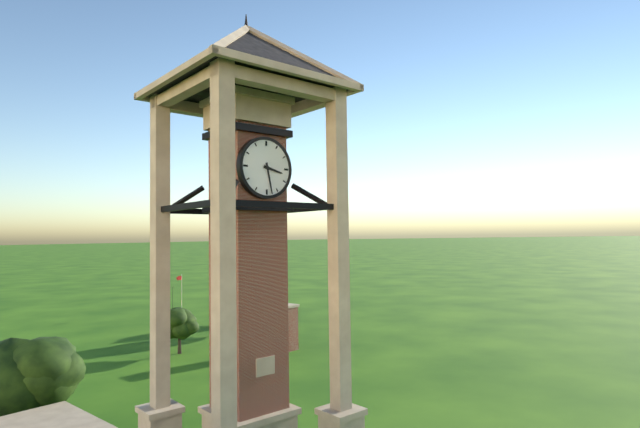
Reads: 3,28
